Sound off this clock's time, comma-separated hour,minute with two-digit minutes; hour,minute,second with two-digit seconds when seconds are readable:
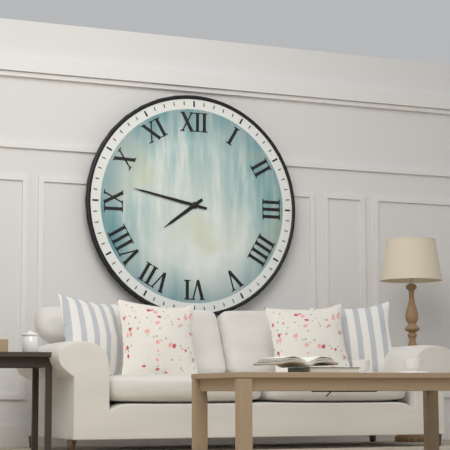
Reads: 7,47
